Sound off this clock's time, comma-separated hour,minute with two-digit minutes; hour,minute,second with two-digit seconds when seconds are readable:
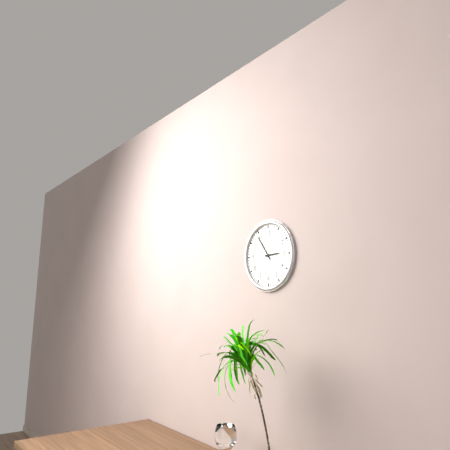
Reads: 2,54
